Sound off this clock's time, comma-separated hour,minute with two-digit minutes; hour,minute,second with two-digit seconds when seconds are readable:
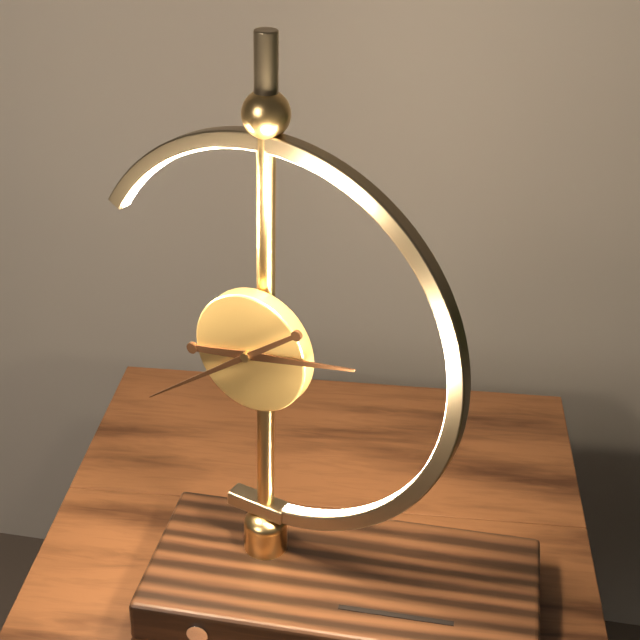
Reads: 2,39
